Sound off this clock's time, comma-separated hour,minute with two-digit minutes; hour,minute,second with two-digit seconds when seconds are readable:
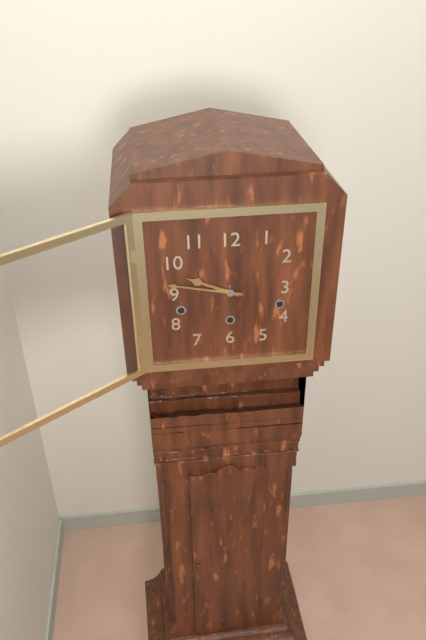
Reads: 9,47
